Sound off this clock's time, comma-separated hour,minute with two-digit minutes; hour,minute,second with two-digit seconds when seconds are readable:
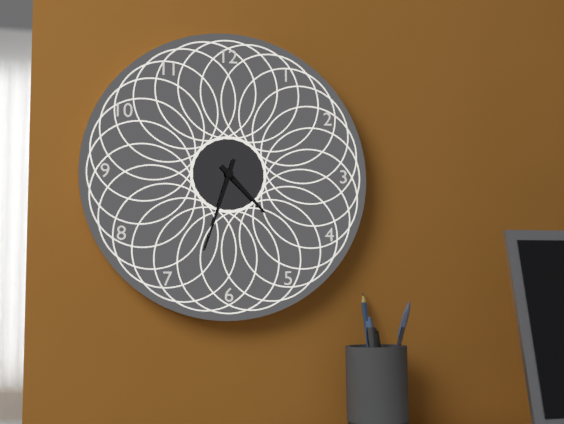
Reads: 4,33
